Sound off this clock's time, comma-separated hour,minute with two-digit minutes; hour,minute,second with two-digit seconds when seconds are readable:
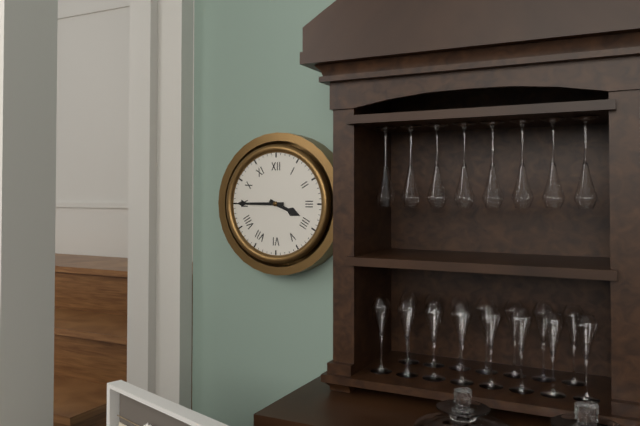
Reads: 3,45
